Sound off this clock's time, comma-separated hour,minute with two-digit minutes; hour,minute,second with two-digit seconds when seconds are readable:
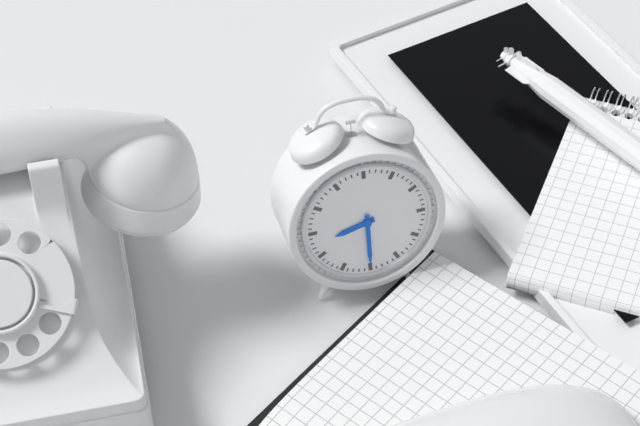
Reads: 8,30
